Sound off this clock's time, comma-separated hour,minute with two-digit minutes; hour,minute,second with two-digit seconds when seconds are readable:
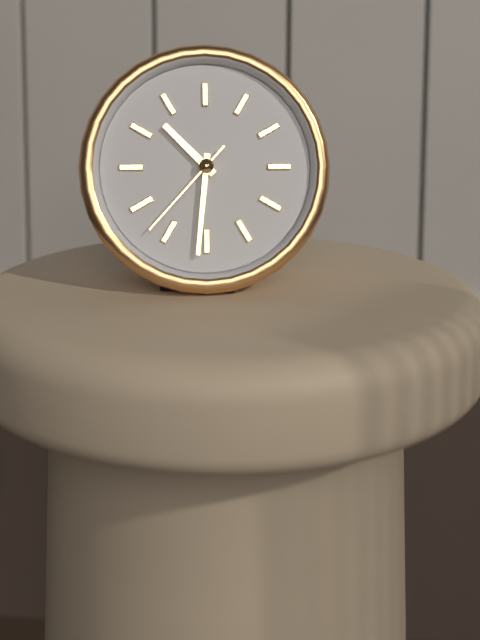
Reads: 10,31,37
